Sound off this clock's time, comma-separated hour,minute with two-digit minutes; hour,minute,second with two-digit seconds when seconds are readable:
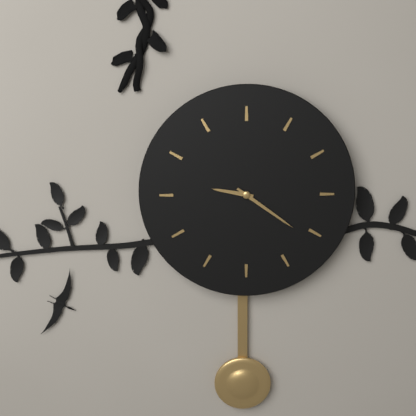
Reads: 9,21
